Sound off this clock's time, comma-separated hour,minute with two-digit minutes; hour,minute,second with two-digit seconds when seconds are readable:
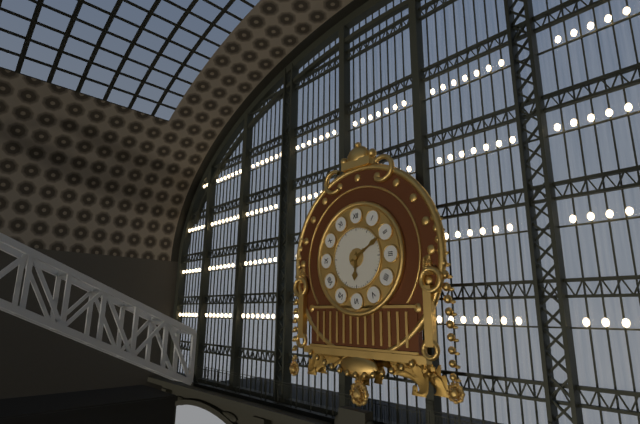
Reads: 6,10
